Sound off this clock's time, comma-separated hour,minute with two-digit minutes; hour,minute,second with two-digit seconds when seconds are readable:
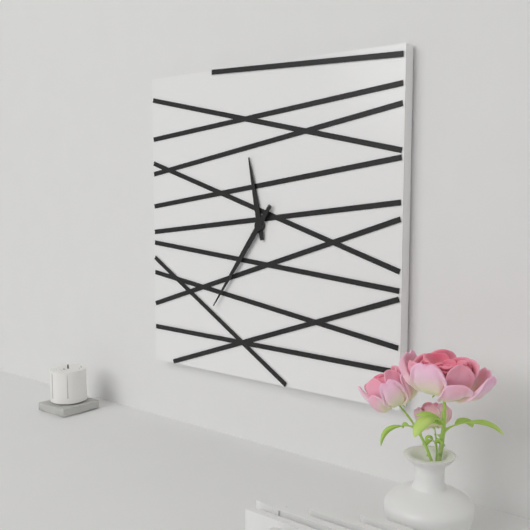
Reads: 11,36
